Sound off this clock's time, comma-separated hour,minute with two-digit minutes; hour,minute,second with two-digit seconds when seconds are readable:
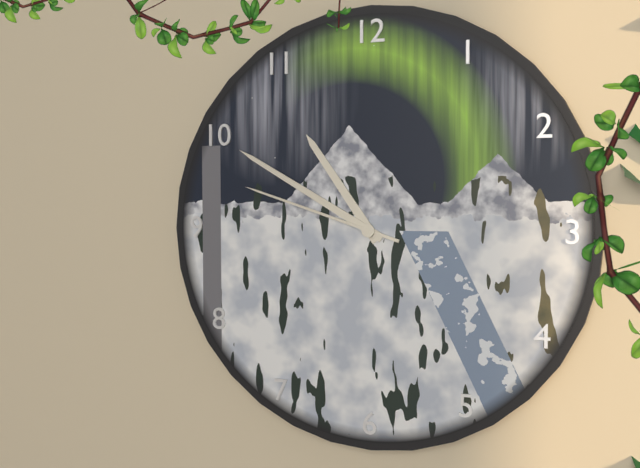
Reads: 10,50,48
